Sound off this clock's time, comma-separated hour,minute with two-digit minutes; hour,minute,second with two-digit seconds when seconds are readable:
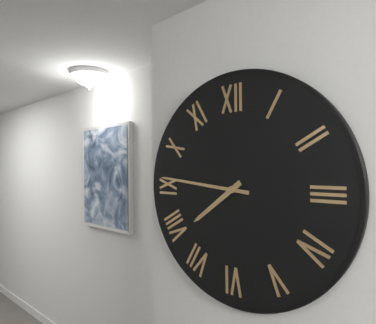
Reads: 7,46
